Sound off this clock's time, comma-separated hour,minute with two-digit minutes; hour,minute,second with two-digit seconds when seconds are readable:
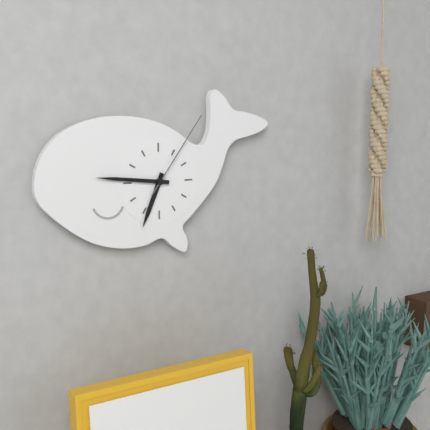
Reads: 6,46,06
